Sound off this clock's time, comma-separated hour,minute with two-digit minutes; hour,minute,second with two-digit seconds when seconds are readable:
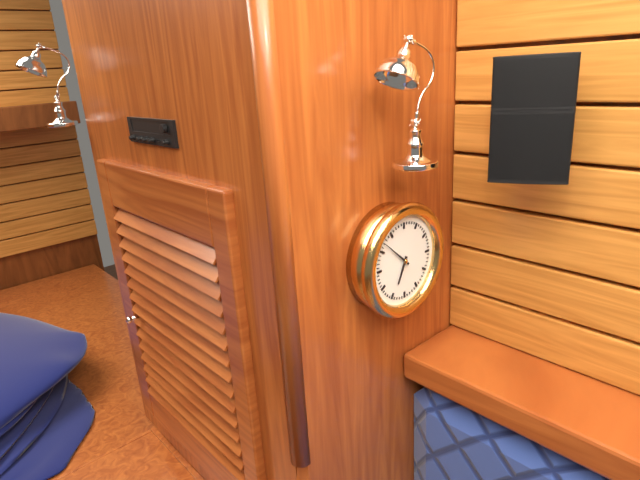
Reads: 6,52
